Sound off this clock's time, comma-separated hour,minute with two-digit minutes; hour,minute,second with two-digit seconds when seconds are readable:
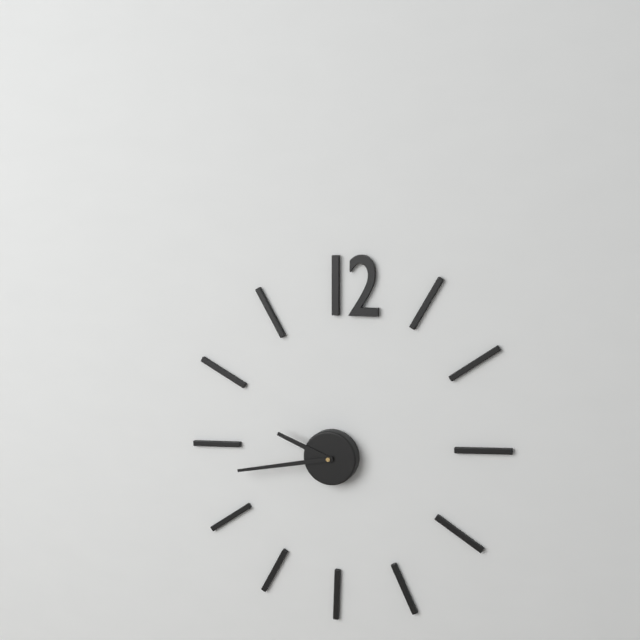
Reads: 9,43
